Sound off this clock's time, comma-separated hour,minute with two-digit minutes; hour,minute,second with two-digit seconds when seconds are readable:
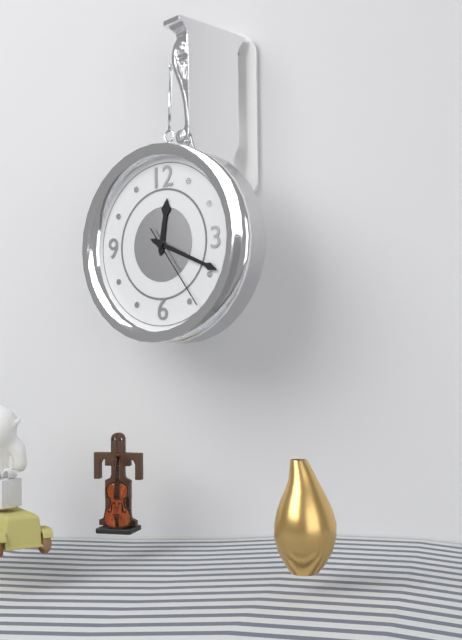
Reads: 12,19,24
